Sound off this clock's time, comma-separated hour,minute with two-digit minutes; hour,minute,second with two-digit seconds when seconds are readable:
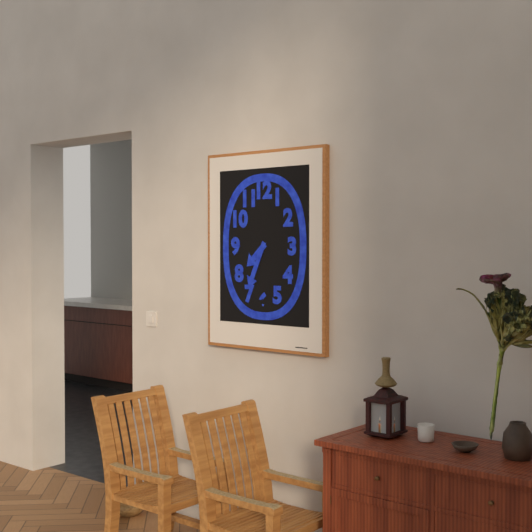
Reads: 7,34
